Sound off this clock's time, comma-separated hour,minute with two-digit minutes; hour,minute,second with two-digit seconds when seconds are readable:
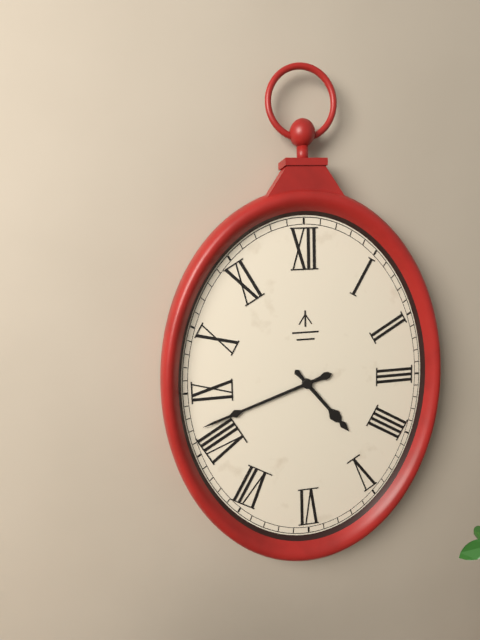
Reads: 4,42
